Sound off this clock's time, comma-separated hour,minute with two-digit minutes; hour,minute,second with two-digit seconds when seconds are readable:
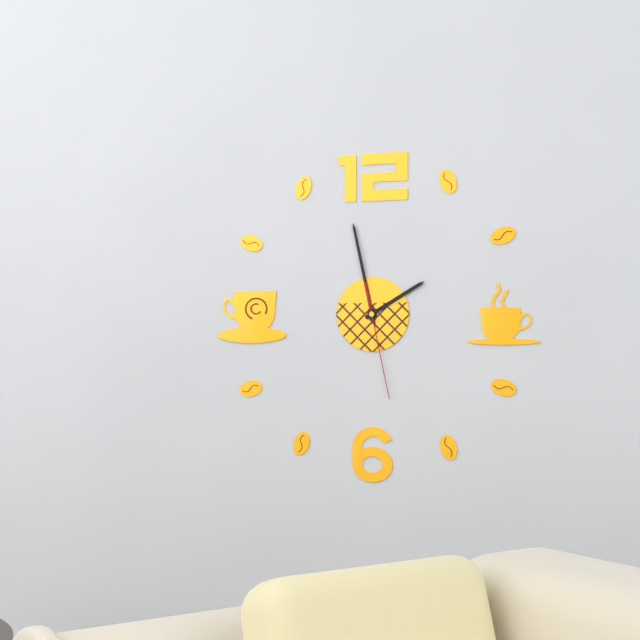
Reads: 1,58,28
